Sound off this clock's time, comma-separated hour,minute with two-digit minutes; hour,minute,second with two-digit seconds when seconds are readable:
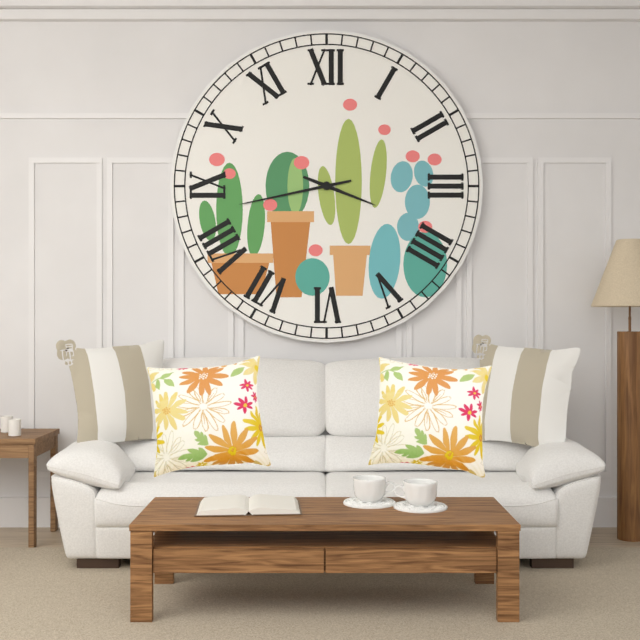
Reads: 3,43
